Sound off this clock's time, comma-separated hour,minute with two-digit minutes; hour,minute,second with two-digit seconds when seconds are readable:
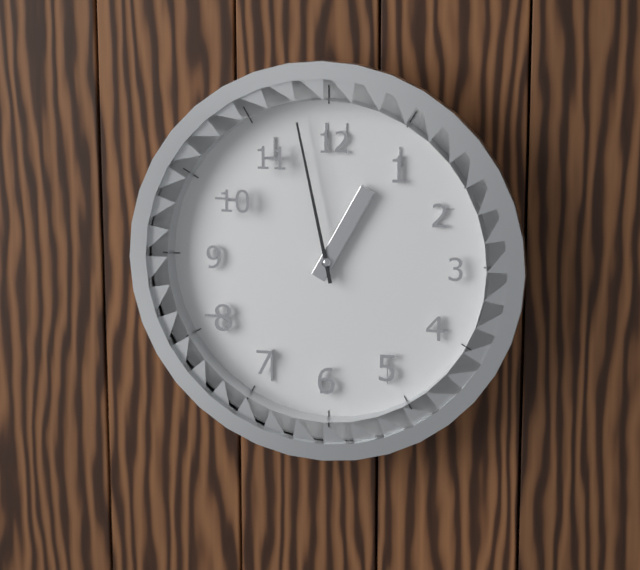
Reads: 12,58
